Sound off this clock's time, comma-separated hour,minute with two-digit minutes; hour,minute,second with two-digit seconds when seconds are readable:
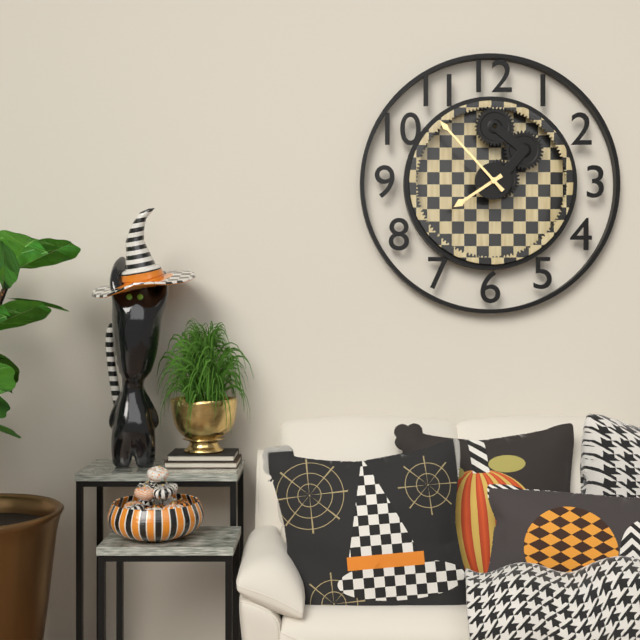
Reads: 7,53
